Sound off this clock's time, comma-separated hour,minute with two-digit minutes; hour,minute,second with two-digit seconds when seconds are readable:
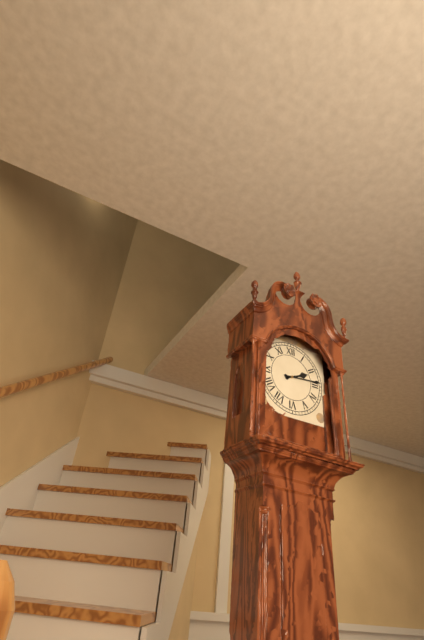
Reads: 2,14
